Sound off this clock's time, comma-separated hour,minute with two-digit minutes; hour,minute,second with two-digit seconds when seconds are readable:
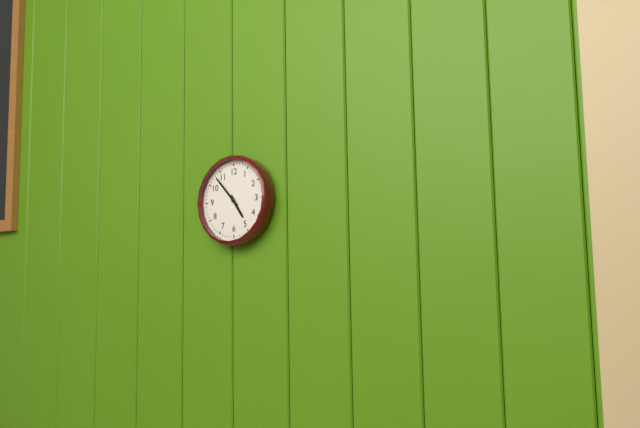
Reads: 4,53
